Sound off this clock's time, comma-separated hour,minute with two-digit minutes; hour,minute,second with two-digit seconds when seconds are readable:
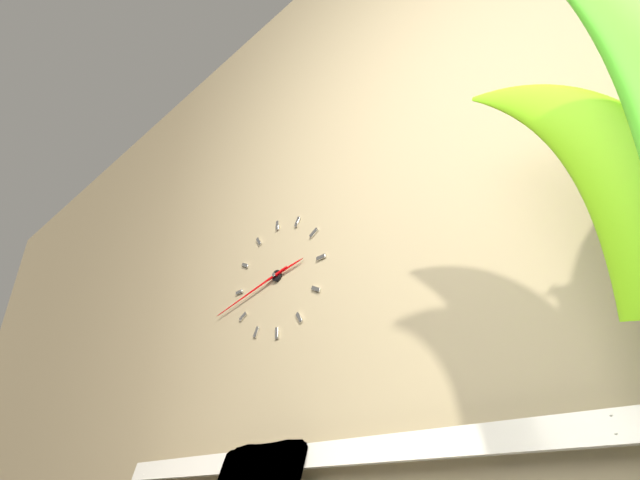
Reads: 2,43
